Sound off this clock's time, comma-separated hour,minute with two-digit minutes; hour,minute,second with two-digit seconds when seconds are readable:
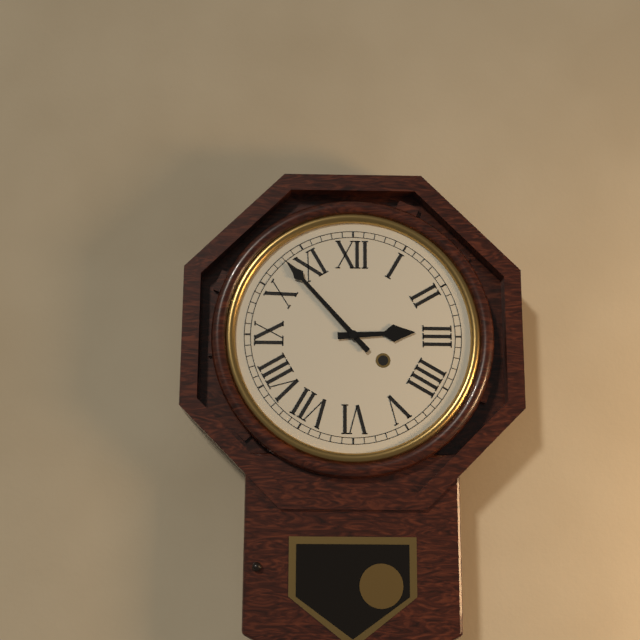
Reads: 2,53
